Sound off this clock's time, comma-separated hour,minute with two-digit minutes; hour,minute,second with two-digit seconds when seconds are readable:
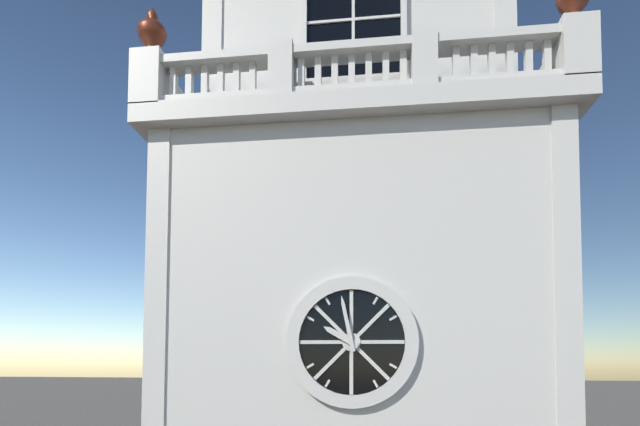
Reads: 9,58
